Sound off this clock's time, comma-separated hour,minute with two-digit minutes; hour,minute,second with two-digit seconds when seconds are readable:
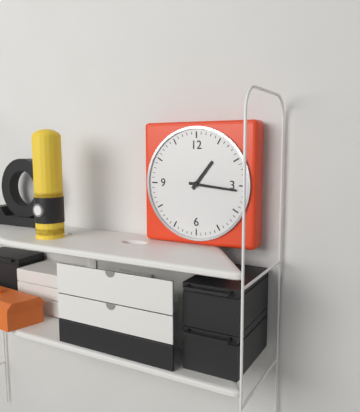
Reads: 1,16
